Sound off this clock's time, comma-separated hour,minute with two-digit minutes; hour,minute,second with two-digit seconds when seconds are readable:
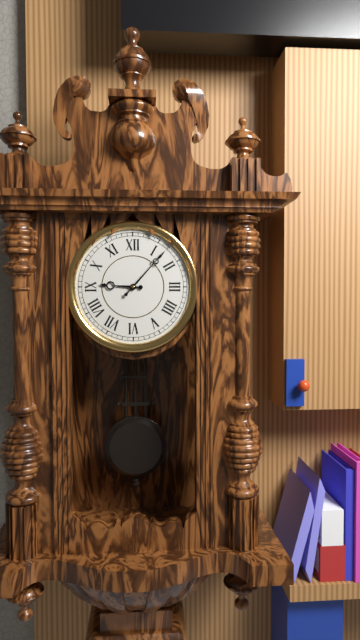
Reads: 9,07
